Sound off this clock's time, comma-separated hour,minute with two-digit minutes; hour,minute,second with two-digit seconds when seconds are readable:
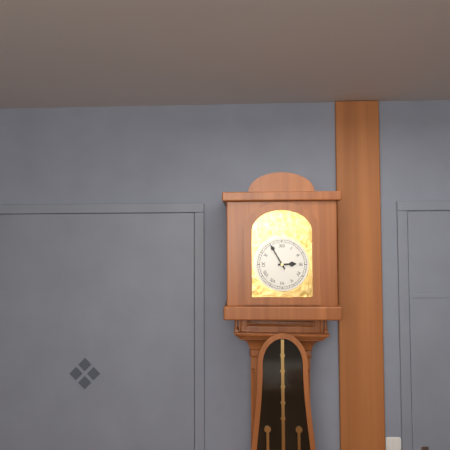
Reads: 2,55
